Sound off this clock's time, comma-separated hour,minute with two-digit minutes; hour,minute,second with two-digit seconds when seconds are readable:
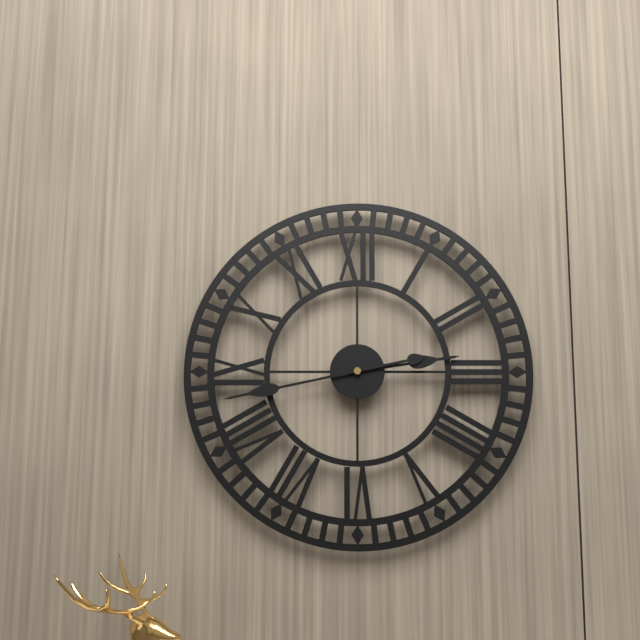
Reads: 2,43
